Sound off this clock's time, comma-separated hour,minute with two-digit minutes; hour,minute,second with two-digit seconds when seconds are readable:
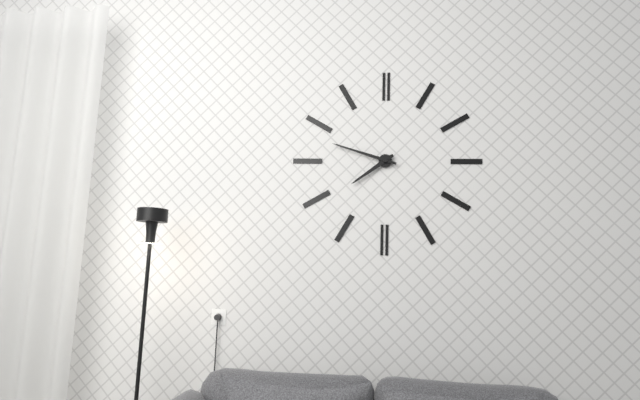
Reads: 7,48
